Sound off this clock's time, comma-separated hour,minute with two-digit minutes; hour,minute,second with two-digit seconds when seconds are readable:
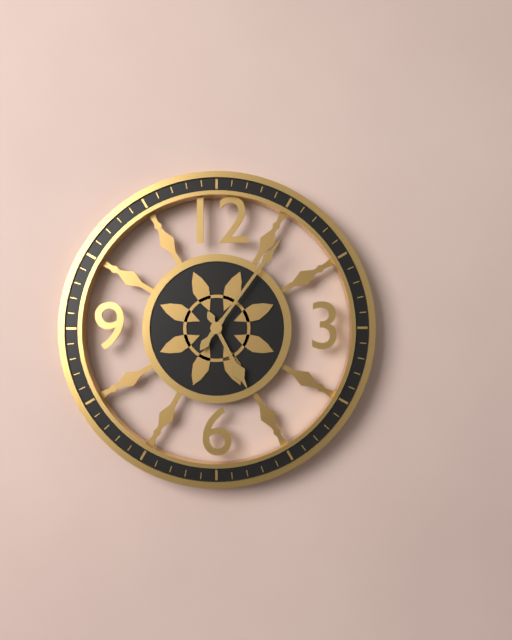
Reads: 5,06
